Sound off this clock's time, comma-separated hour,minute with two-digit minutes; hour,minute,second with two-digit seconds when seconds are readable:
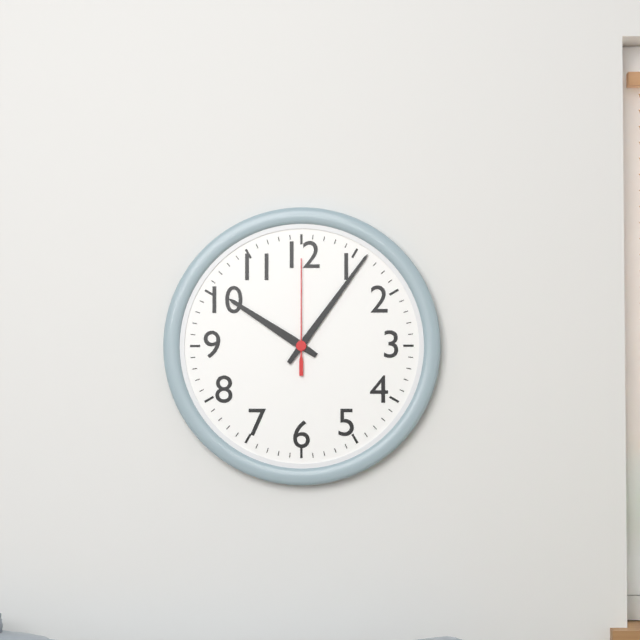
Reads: 10,06,00
